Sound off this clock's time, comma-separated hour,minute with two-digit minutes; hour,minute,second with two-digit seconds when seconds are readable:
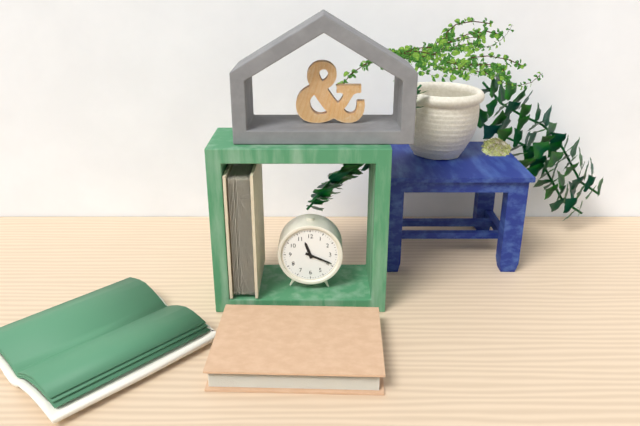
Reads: 11,19
